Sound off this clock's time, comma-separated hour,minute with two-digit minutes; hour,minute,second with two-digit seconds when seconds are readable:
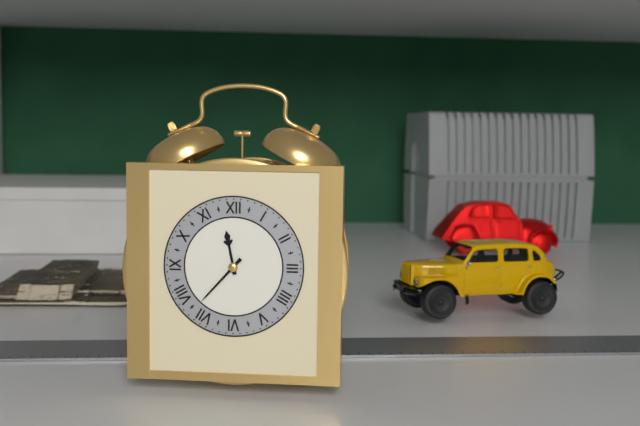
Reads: 11,37
